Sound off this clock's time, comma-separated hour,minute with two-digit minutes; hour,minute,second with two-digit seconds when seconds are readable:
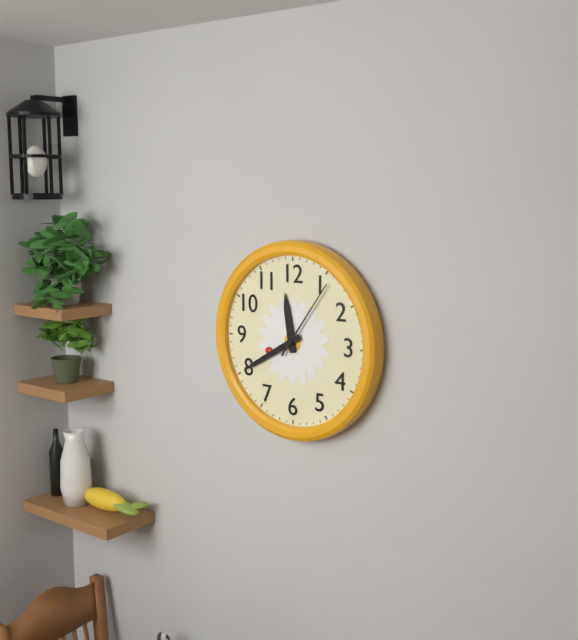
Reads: 11,40,06
